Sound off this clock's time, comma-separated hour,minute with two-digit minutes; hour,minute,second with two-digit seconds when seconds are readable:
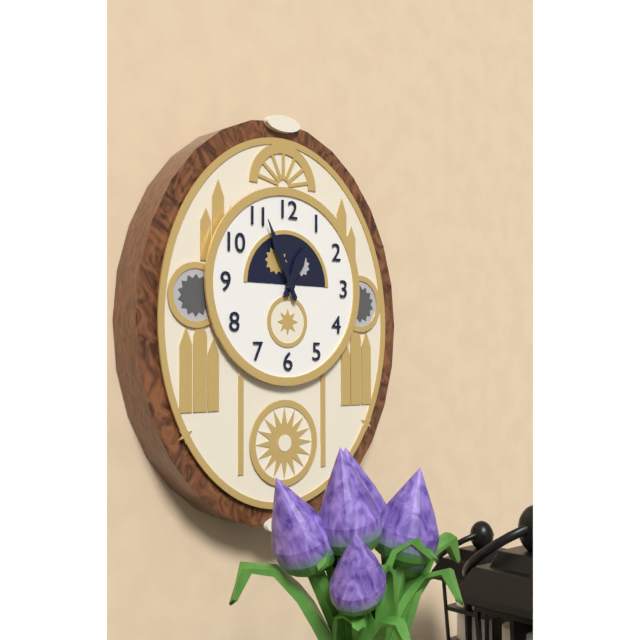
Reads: 12,56
